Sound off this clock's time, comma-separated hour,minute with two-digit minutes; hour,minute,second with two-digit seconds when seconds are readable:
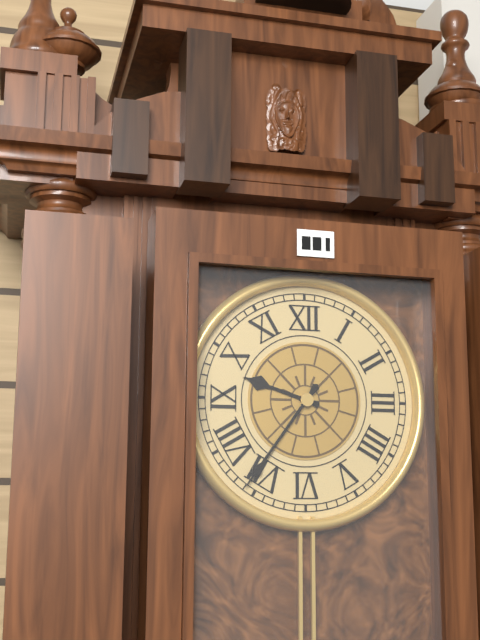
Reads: 9,36
